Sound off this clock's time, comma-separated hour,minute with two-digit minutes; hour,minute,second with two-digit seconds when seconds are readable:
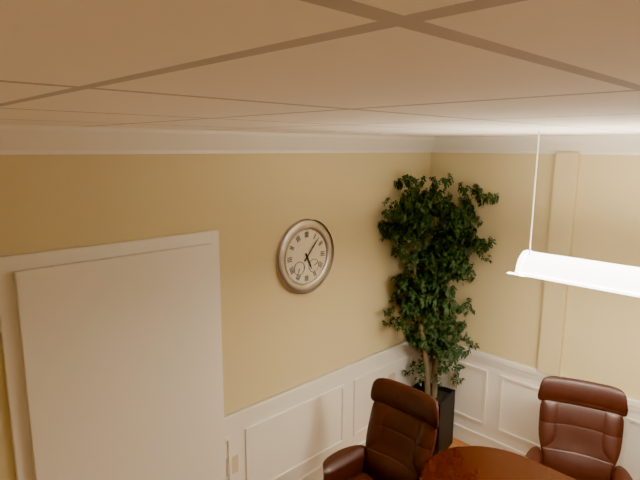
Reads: 5,07
